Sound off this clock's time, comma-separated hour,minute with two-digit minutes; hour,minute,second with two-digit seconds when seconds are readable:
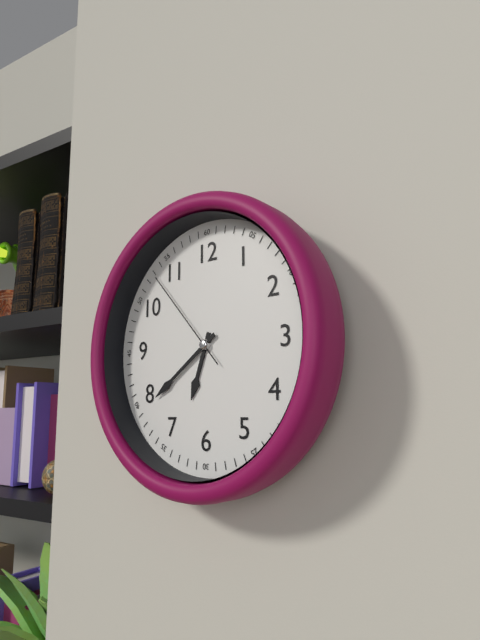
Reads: 6,39,53
